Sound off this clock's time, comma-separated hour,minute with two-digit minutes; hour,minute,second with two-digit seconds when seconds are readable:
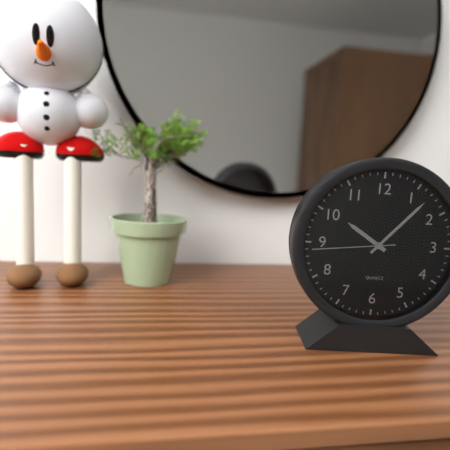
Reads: 10,07,44
